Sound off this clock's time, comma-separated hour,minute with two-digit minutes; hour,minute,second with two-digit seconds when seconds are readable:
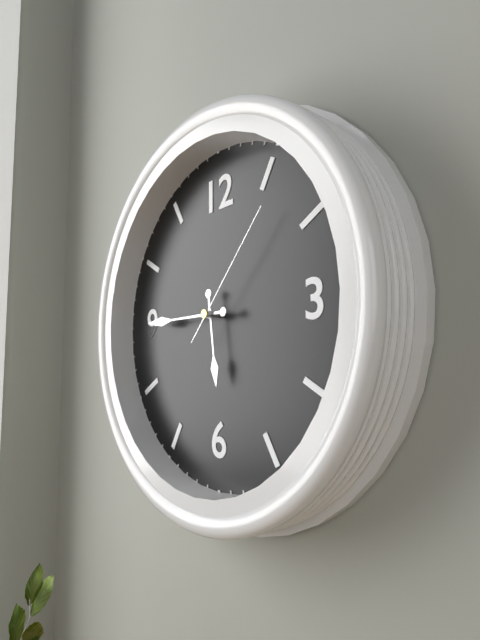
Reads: 5,45,07
